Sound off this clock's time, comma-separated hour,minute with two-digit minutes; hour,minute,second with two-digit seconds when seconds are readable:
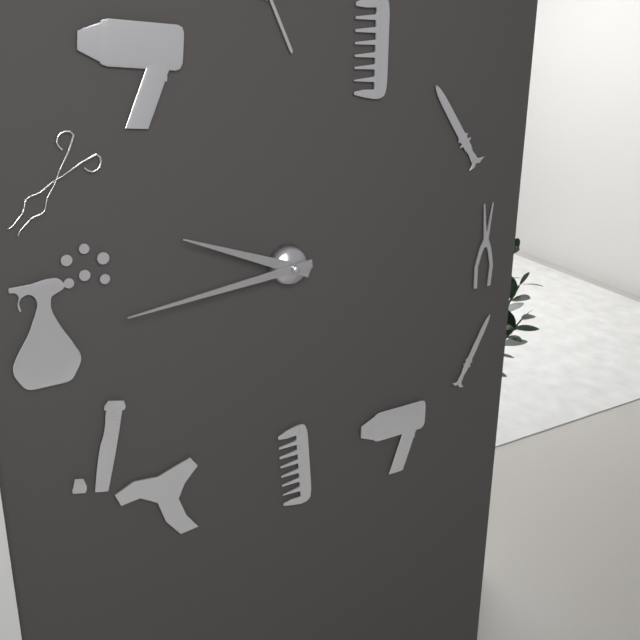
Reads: 9,44
